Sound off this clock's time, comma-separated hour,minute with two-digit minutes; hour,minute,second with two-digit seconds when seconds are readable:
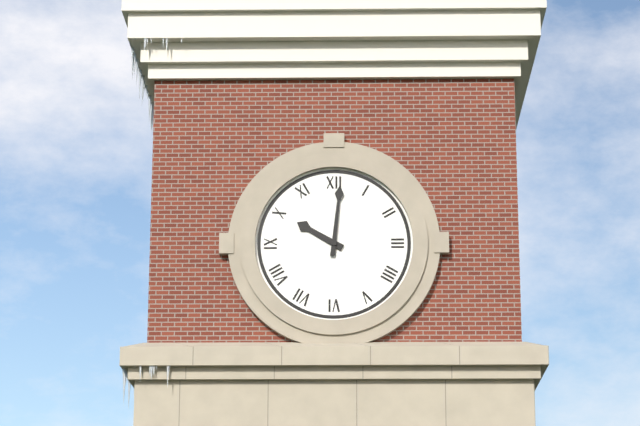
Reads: 10,01
